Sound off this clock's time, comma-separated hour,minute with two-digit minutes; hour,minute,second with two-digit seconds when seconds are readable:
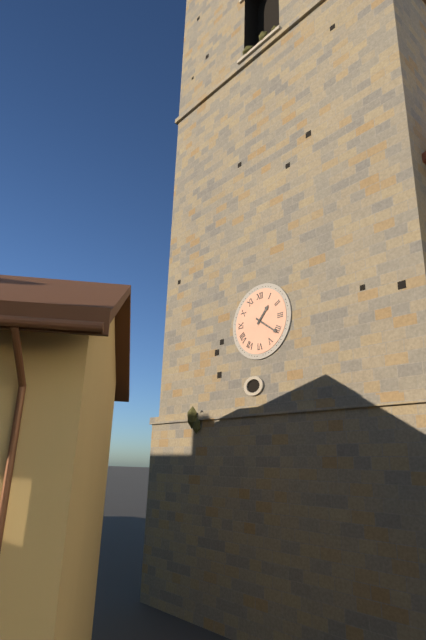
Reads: 1,21
